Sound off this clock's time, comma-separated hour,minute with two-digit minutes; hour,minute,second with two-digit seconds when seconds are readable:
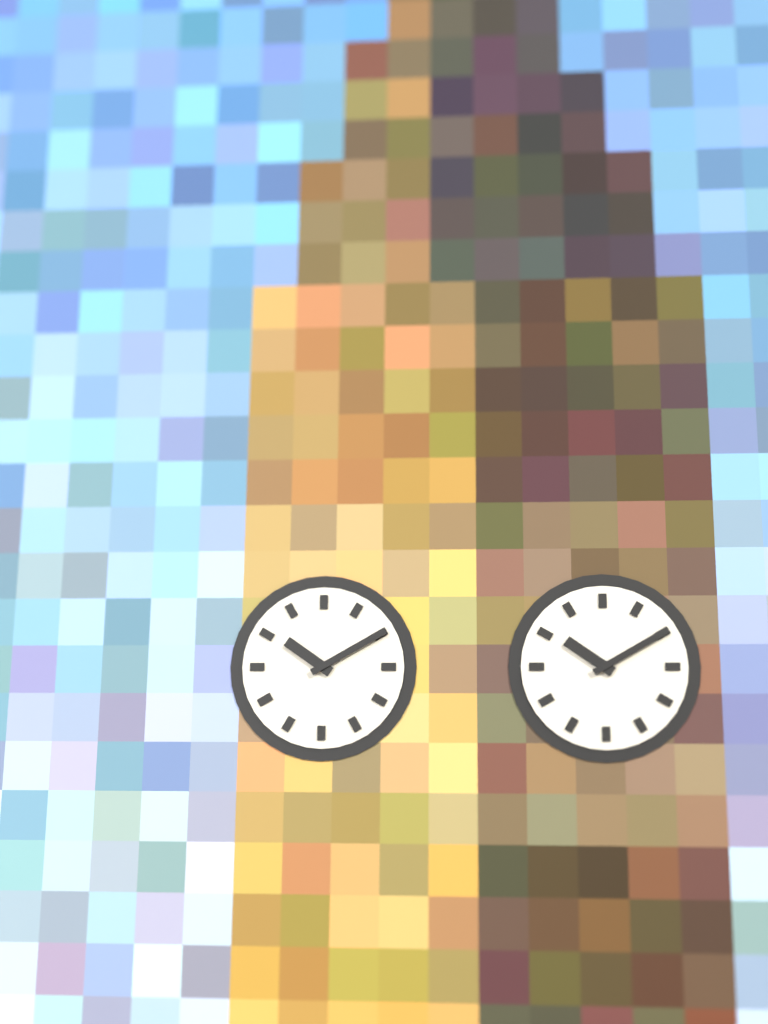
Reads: 10,10
